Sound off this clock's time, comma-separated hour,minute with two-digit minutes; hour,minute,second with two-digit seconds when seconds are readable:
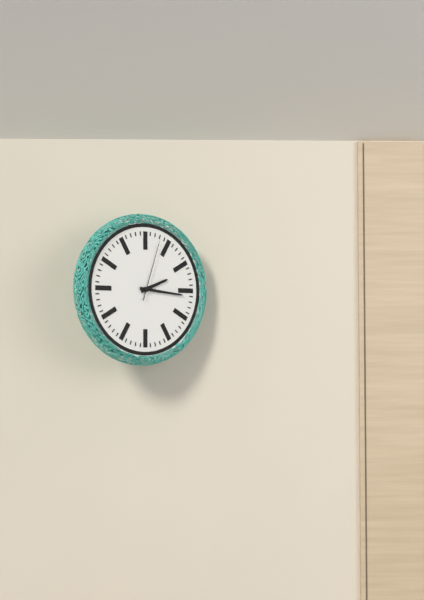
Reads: 2,16,03
